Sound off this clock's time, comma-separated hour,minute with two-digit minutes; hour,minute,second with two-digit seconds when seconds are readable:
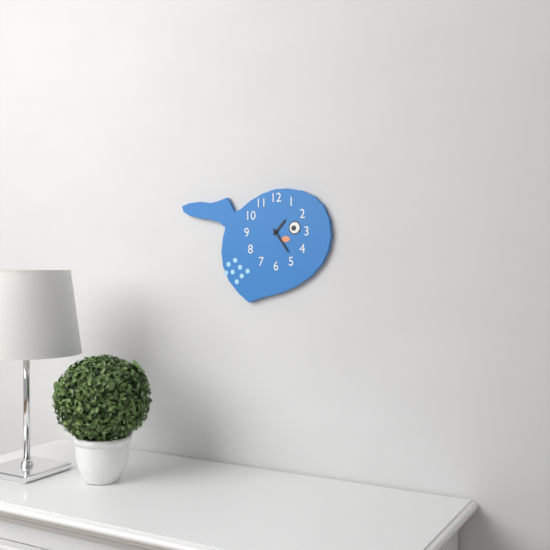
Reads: 1,24
